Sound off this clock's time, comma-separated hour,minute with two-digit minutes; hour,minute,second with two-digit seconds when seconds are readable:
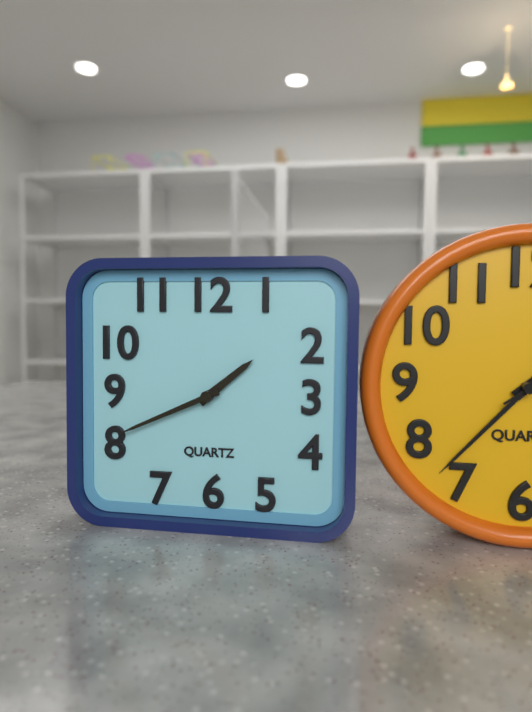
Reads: 1,41
